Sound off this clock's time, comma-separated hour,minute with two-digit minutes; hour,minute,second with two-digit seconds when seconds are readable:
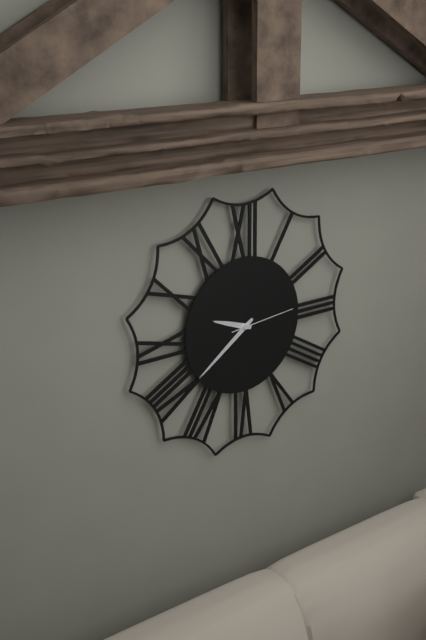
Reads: 9,39,14
